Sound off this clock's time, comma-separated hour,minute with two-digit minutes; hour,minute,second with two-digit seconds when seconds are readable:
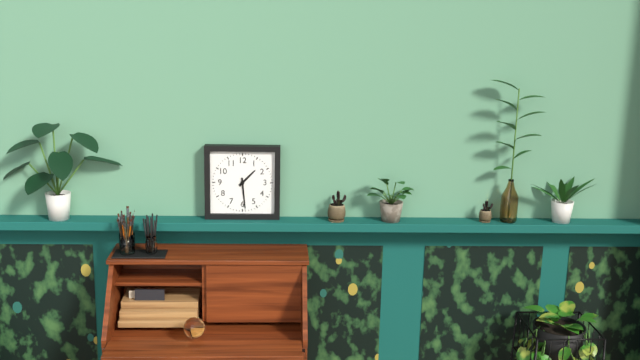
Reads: 1,29
